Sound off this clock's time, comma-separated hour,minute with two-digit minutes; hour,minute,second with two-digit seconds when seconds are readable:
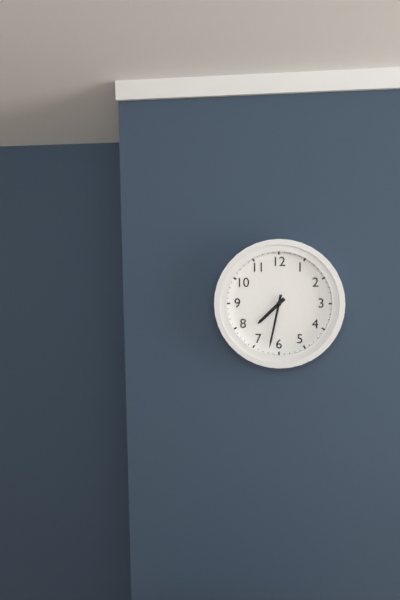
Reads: 7,32
